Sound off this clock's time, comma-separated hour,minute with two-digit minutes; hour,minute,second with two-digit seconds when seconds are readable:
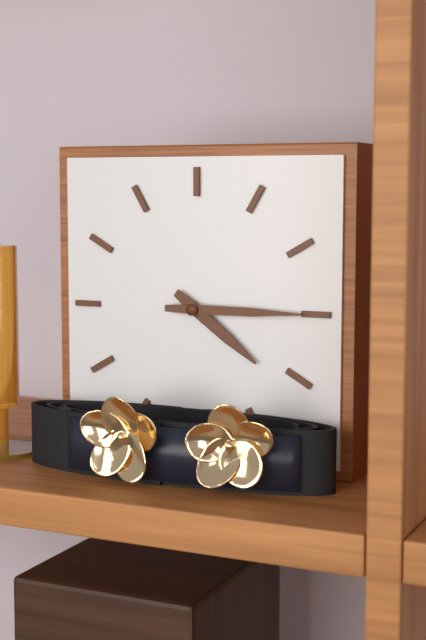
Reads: 4,15
